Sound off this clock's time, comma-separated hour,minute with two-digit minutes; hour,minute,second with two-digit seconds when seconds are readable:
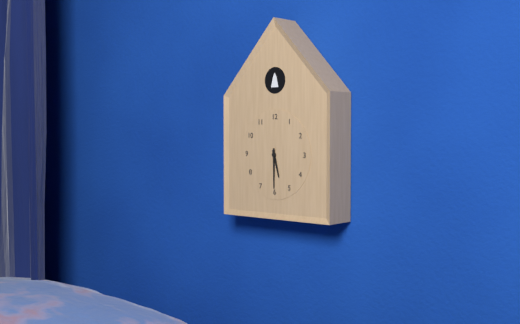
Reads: 5,30
